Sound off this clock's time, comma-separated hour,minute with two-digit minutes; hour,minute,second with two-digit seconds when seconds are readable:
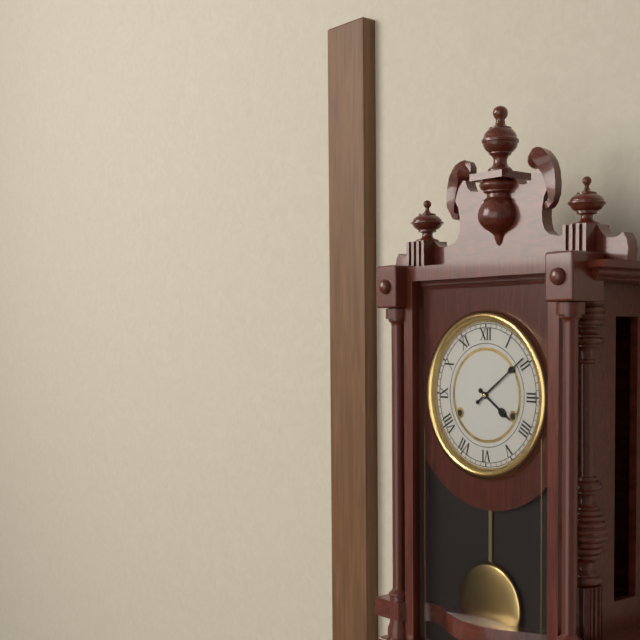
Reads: 4,09
